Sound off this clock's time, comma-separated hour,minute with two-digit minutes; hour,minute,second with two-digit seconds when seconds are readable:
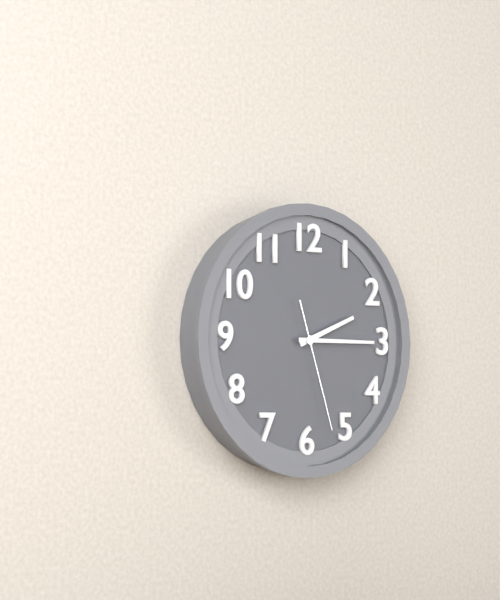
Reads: 2,15,27
